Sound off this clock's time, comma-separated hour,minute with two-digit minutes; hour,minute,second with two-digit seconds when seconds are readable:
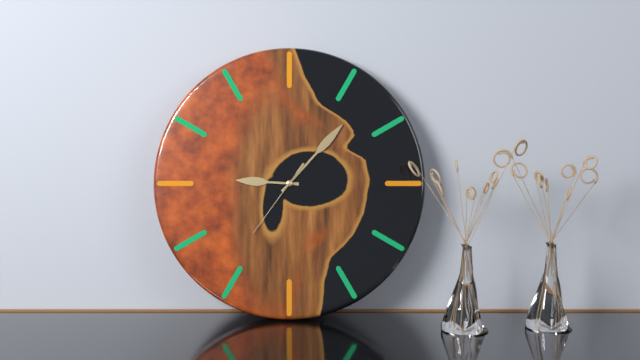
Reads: 9,07,36
